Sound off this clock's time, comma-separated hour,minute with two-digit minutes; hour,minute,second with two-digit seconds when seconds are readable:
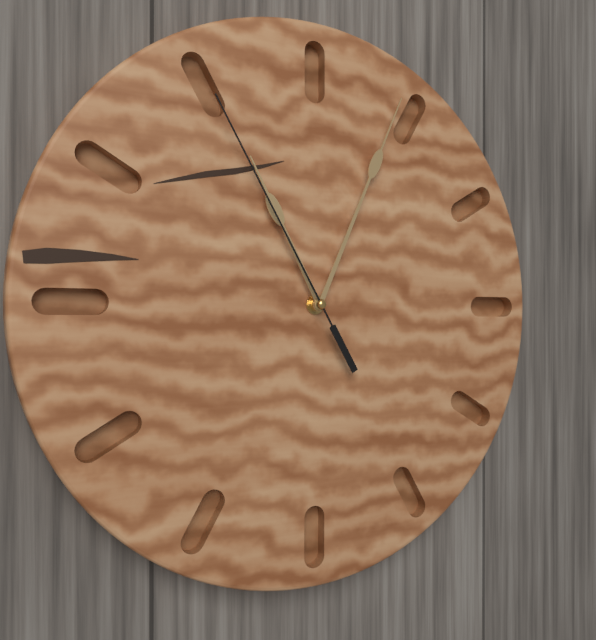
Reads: 11,04,55
